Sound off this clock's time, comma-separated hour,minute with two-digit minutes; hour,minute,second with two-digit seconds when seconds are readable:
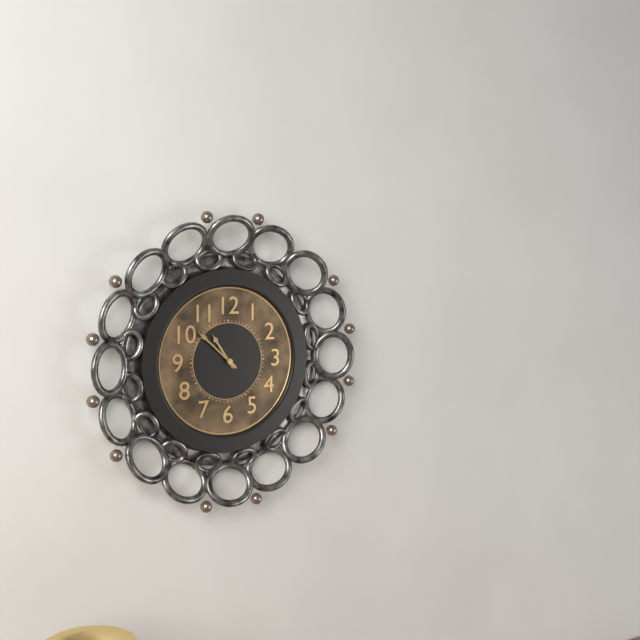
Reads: 10,52
